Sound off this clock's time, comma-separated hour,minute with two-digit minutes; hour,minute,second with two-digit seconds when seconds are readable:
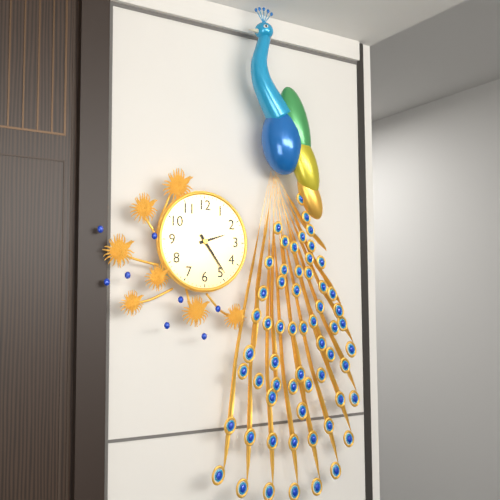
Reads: 2,24
